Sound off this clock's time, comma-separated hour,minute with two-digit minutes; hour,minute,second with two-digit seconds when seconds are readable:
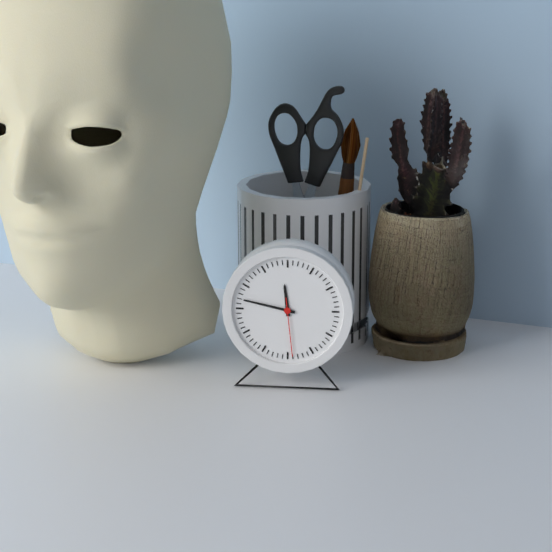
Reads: 11,47,29
